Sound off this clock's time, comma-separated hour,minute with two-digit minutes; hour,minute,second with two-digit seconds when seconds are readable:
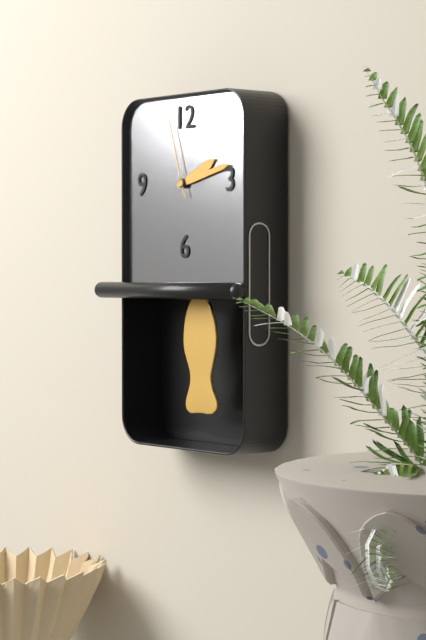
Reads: 2,13,57
